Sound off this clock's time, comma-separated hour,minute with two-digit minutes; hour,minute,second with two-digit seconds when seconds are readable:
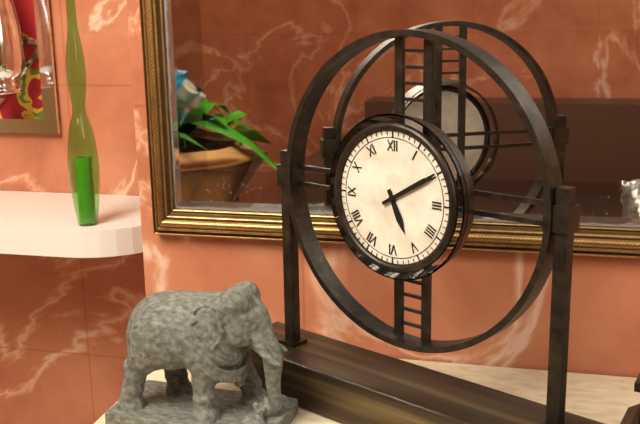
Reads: 5,10
